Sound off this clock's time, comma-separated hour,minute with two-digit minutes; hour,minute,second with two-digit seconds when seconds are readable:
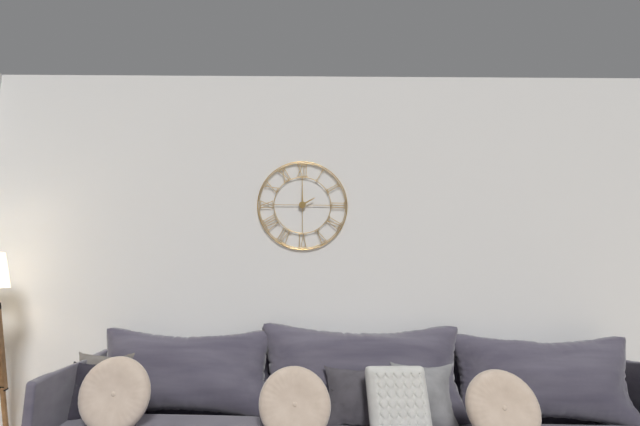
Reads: 2,00
